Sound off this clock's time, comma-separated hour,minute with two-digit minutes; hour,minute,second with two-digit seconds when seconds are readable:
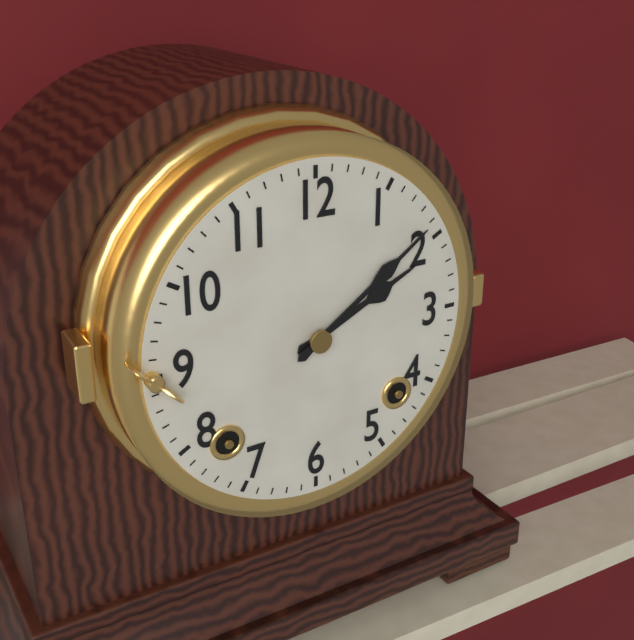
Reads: 2,09
